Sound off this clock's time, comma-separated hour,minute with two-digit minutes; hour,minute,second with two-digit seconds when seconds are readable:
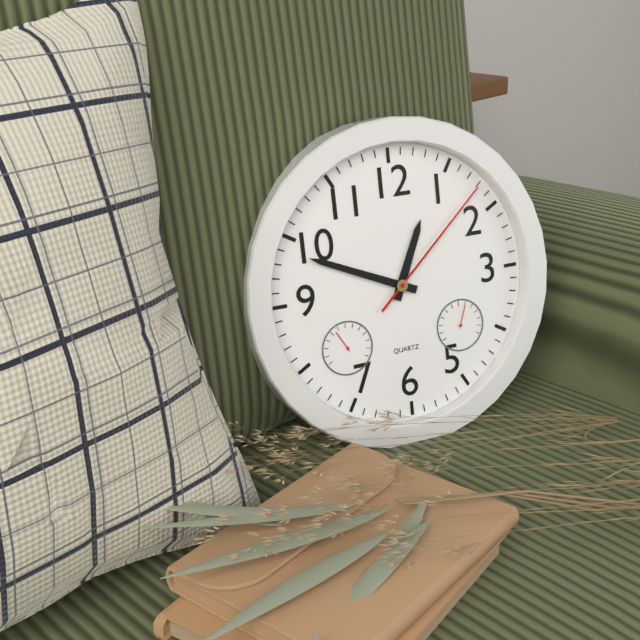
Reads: 12,49,08
